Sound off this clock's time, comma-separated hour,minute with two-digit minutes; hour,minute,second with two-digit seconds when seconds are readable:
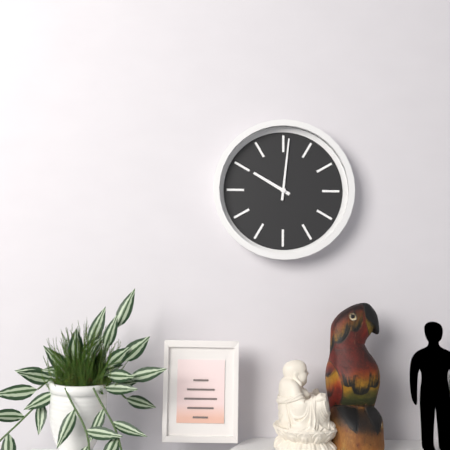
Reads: 10,01
